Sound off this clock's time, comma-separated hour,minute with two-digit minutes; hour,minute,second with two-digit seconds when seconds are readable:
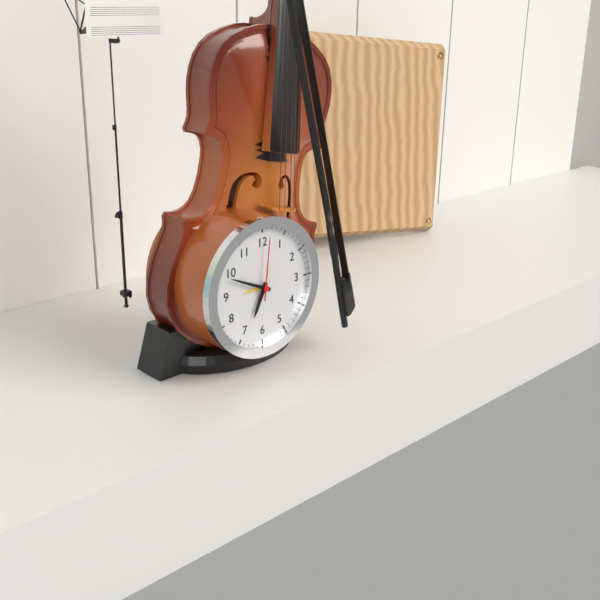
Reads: 6,49,01
